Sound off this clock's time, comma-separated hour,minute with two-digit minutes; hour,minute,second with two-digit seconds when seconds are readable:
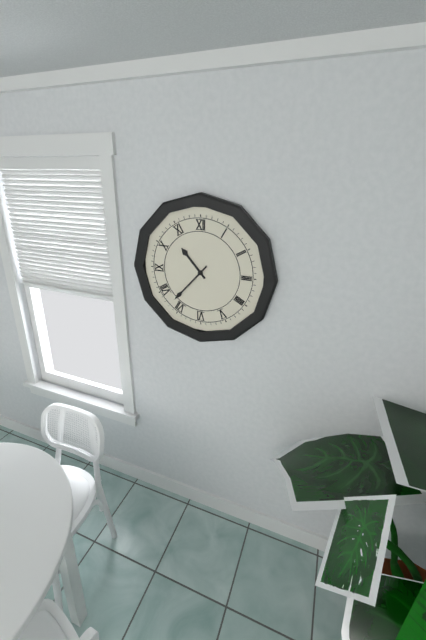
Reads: 10,37
